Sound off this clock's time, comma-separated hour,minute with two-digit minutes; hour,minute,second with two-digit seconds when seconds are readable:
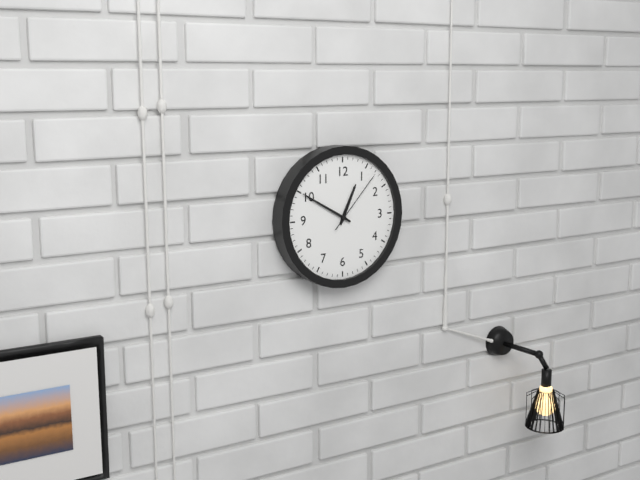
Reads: 12,50,07
